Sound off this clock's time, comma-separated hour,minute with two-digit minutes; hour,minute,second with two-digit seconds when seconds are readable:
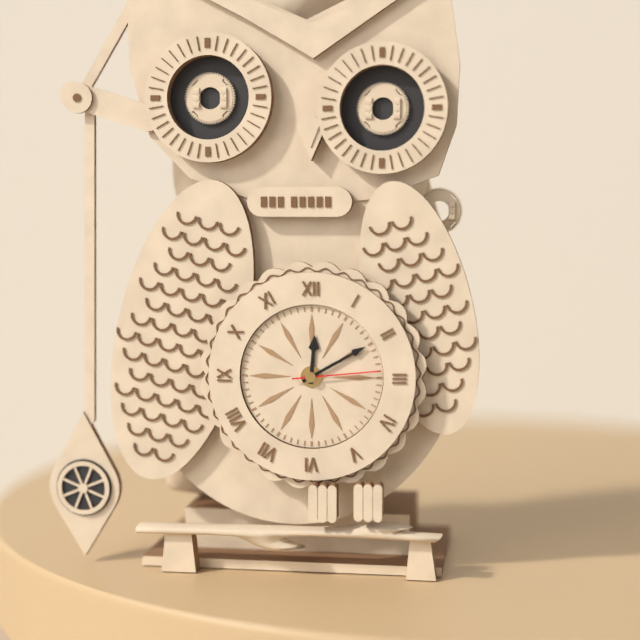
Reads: 12,10,14
